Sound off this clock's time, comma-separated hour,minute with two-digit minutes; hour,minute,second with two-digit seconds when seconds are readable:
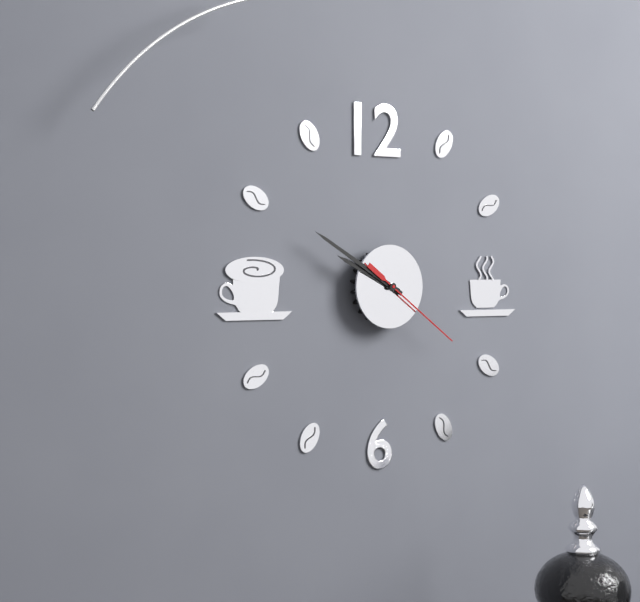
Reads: 9,50,21
